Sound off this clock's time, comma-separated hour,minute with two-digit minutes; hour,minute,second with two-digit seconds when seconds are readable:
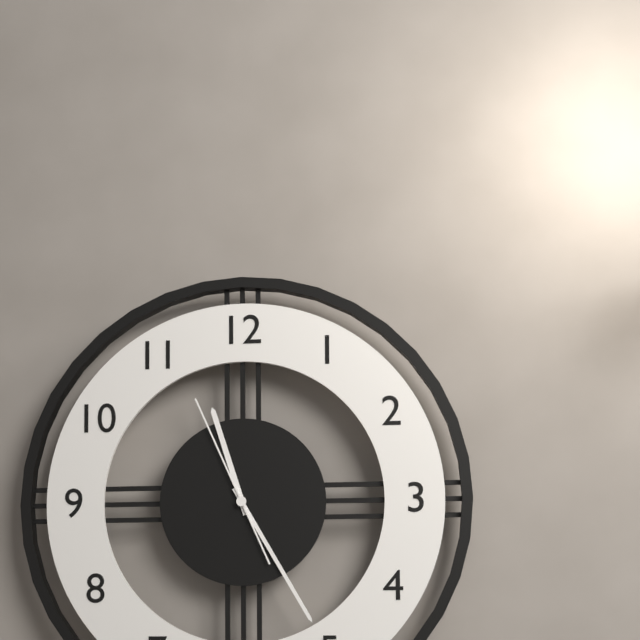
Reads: 11,25,56
